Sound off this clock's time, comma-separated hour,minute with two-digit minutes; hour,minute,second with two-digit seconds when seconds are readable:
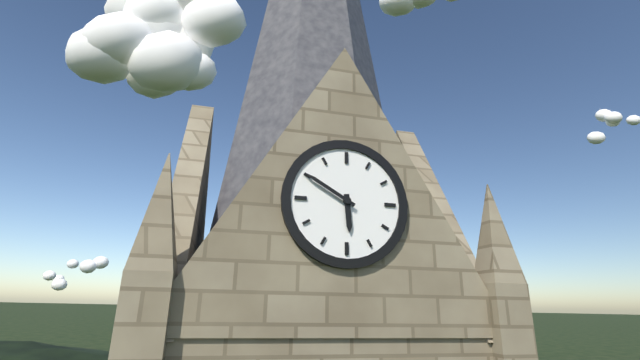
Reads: 5,50
